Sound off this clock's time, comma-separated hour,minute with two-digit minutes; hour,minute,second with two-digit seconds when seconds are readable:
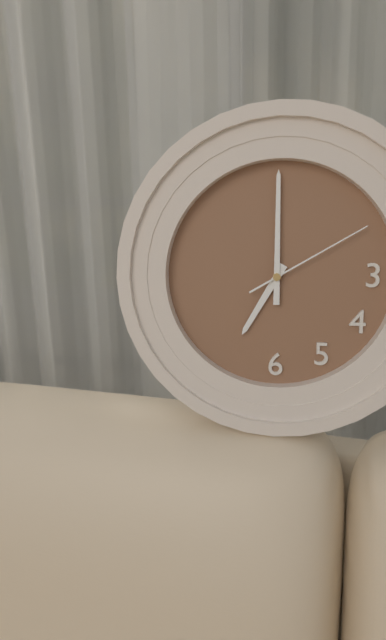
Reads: 7,00,10
